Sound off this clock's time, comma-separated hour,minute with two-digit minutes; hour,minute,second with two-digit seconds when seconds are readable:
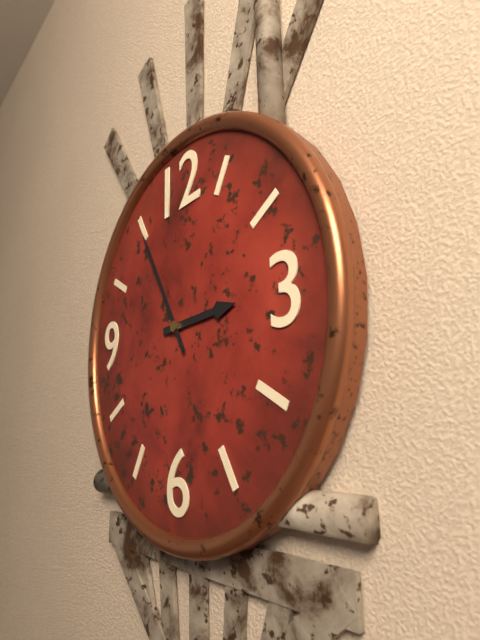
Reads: 2,55
